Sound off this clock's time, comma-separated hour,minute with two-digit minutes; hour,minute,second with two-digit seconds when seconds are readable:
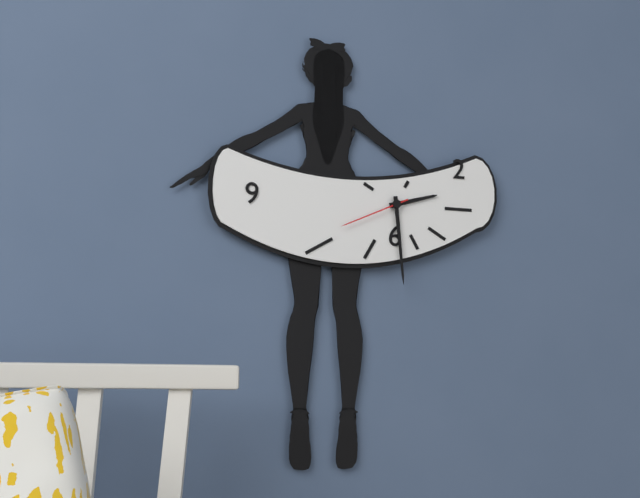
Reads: 2,29,41
